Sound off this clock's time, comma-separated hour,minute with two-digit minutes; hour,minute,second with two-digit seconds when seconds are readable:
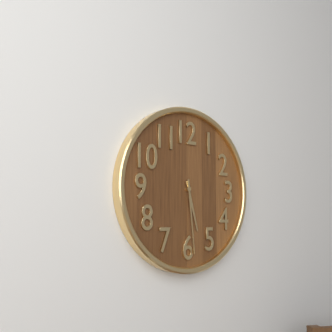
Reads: 5,29
